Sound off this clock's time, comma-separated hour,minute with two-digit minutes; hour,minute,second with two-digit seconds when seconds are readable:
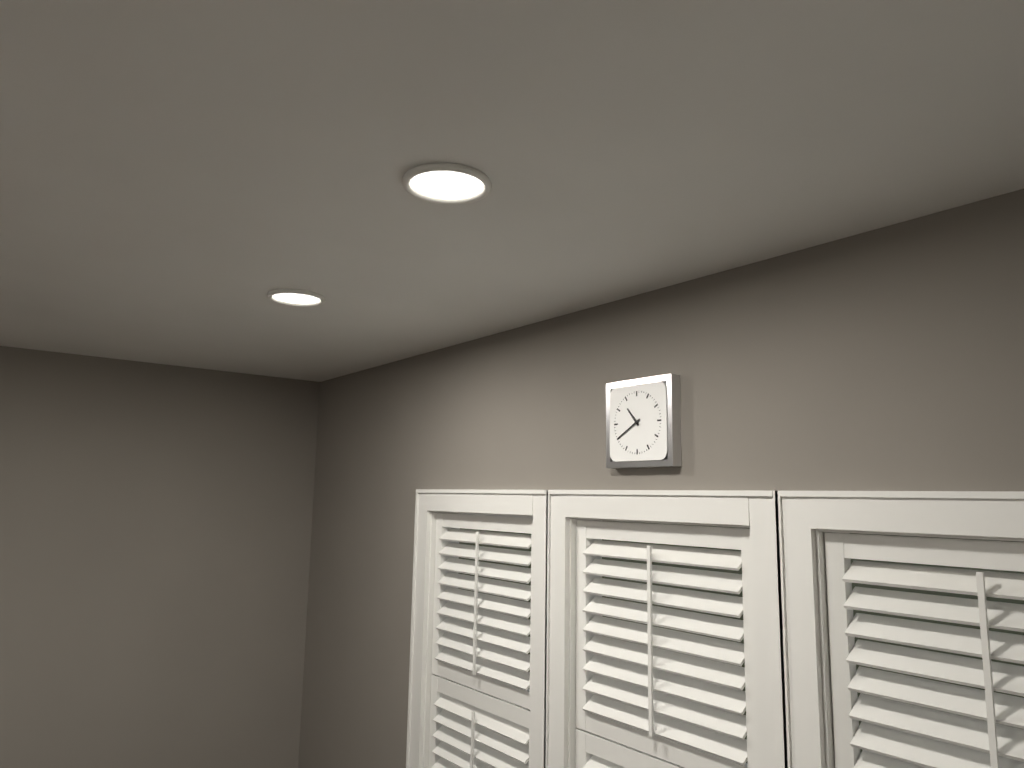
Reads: 10,40
